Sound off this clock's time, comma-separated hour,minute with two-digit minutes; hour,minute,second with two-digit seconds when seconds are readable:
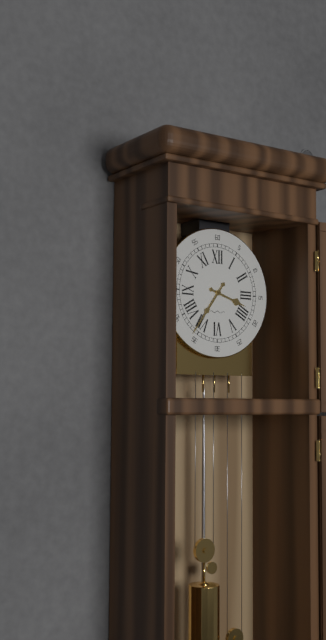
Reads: 3,36
